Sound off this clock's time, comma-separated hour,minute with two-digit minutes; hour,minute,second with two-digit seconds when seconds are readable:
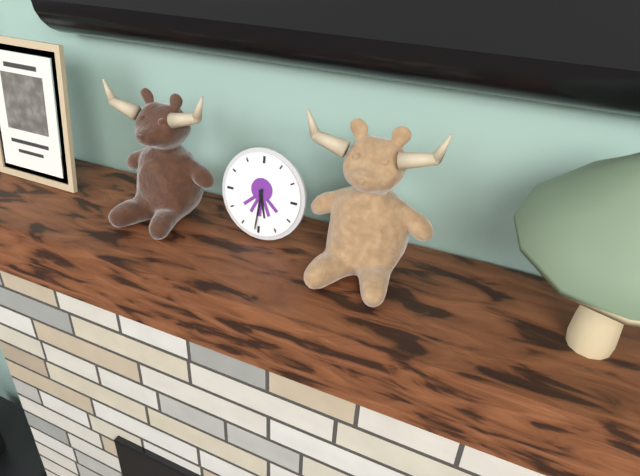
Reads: 5,31
